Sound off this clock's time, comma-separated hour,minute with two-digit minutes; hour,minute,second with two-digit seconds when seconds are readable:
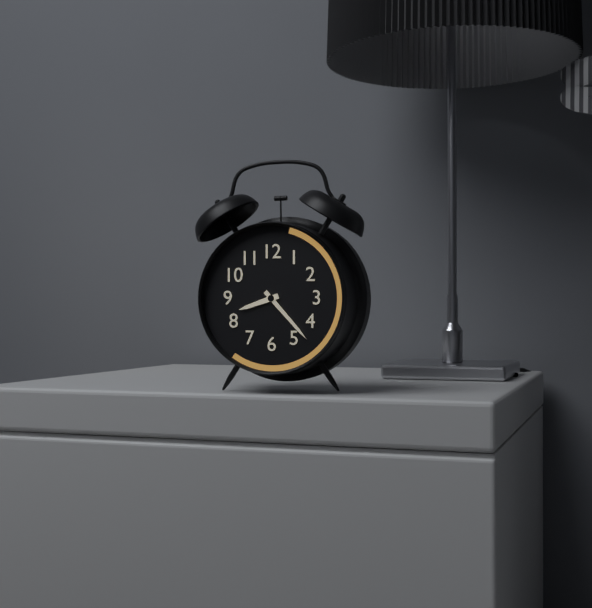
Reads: 8,23
